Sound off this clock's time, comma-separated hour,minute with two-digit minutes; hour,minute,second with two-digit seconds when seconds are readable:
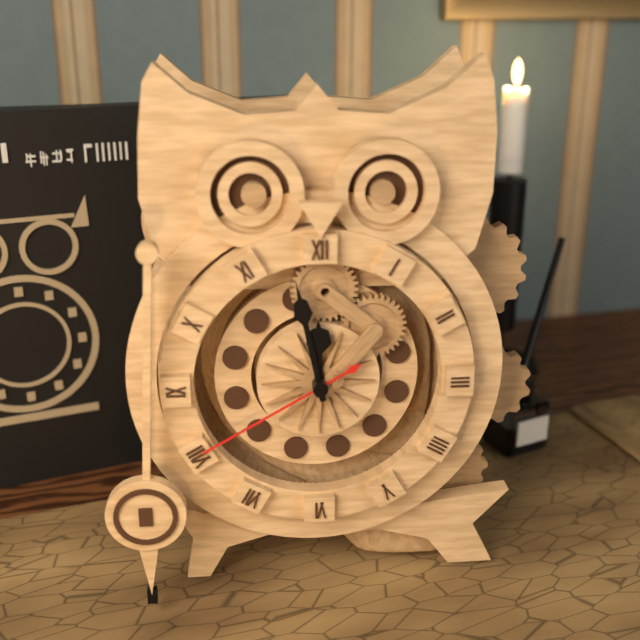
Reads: 11,58,40
